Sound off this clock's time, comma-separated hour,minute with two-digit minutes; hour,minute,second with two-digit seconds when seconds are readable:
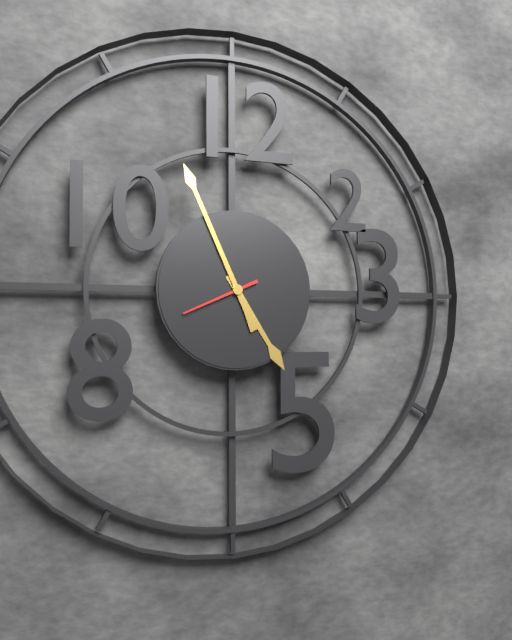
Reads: 4,56,41
